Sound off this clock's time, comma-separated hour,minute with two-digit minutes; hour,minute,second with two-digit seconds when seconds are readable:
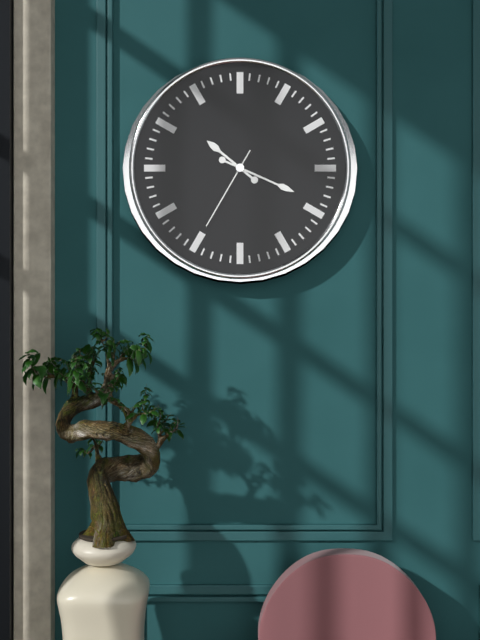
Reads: 10,19,35
